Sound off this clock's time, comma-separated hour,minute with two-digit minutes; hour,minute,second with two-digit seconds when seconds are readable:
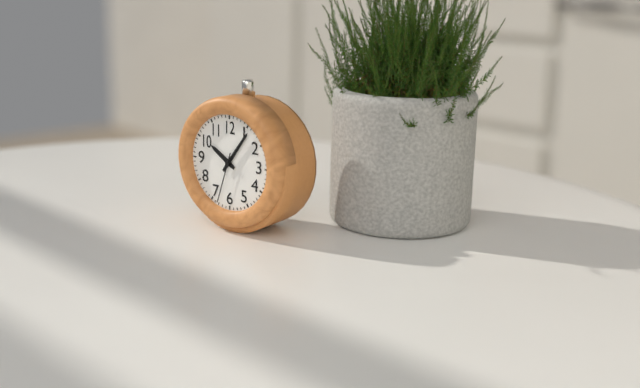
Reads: 10,06,33
